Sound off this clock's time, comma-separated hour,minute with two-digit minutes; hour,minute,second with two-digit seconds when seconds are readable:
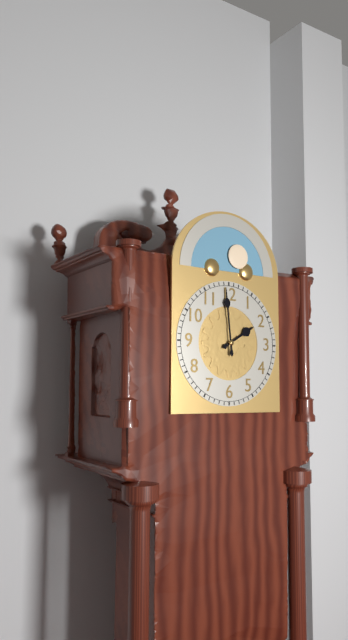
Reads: 1,59
